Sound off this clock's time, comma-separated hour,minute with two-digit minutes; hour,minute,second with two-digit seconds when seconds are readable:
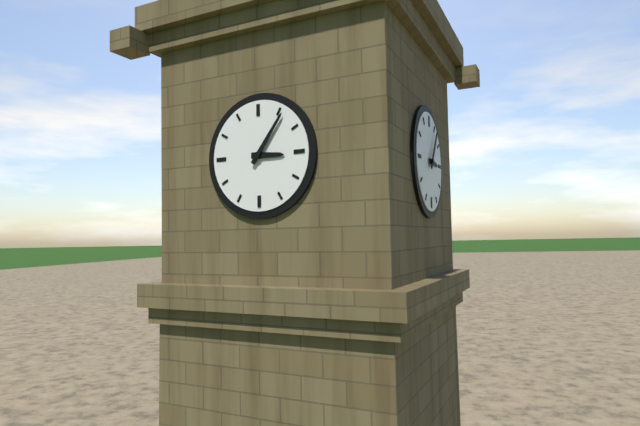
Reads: 3,06
